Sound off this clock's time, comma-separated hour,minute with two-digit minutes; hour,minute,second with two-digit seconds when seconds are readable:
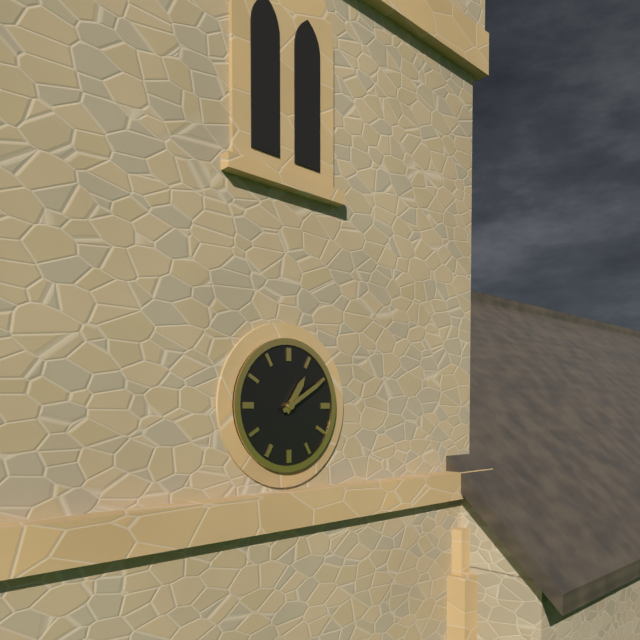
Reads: 1,10
